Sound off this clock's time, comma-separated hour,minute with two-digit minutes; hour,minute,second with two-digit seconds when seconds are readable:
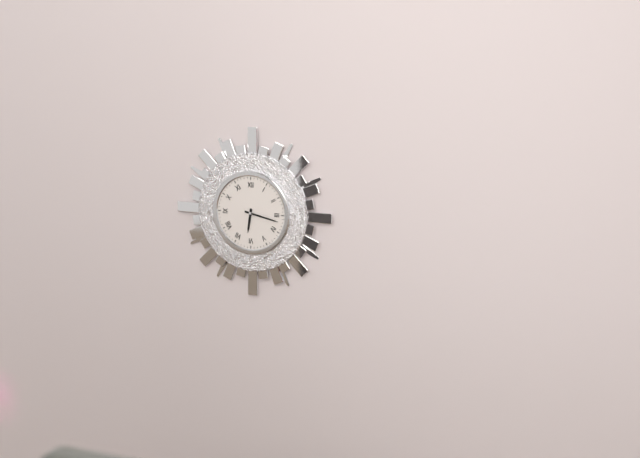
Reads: 6,17
